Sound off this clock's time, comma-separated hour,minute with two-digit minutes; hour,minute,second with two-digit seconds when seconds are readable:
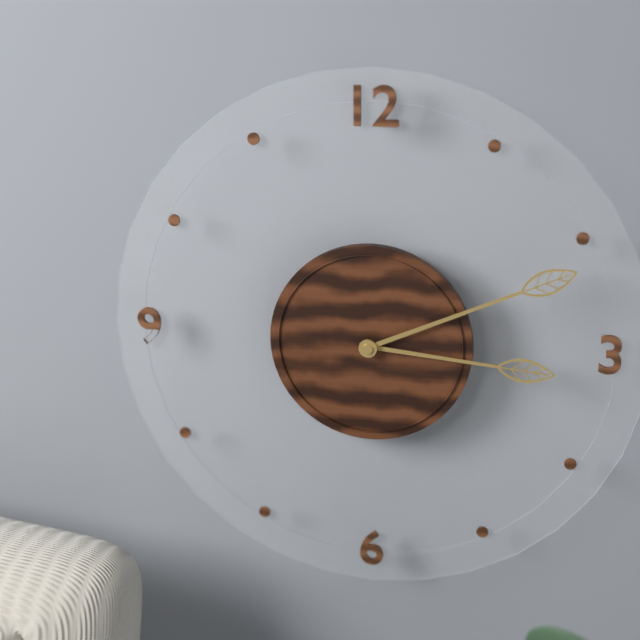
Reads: 3,11
